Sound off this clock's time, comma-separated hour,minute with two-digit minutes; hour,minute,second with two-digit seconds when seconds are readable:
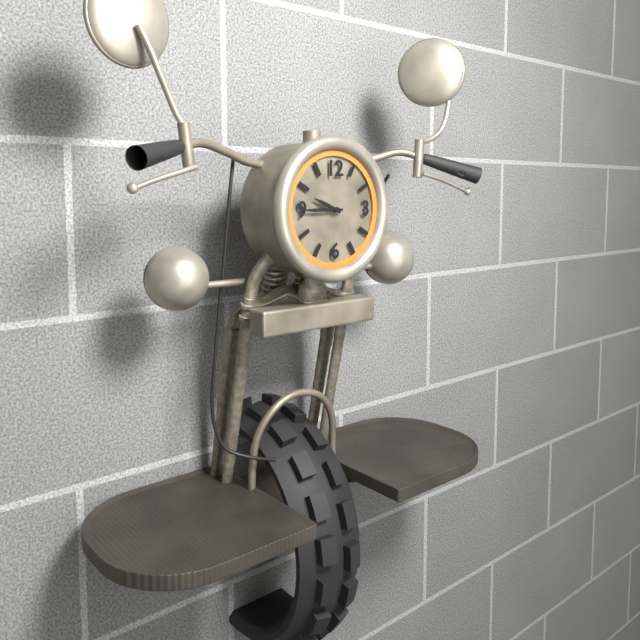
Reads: 9,45
